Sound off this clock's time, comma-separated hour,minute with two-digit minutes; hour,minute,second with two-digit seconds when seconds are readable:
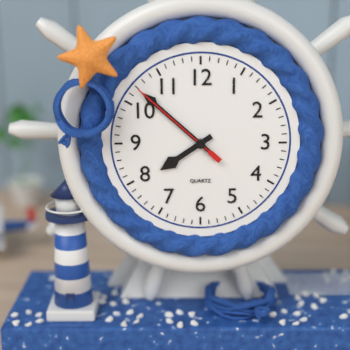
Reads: 7,52,52
